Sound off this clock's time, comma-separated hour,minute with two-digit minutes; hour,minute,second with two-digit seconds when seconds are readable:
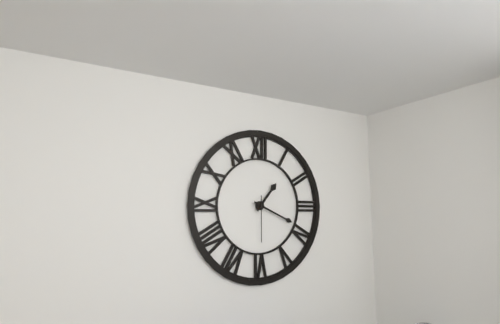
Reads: 1,19
